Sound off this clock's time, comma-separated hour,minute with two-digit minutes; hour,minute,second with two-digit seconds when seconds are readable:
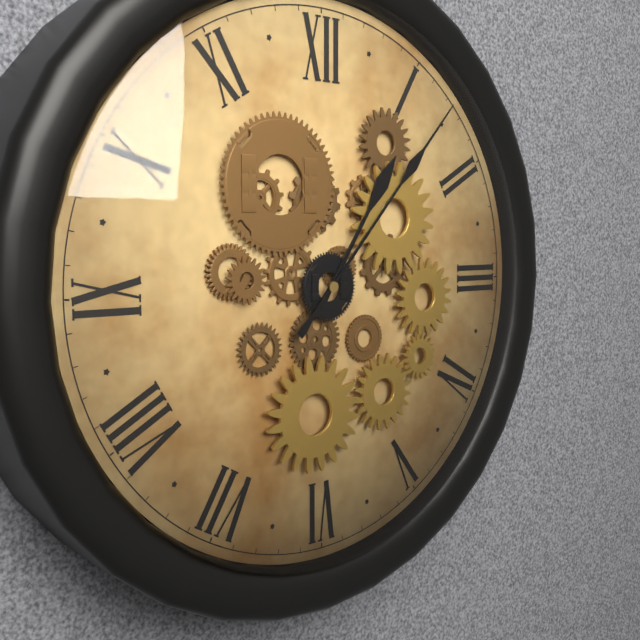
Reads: 1,07
